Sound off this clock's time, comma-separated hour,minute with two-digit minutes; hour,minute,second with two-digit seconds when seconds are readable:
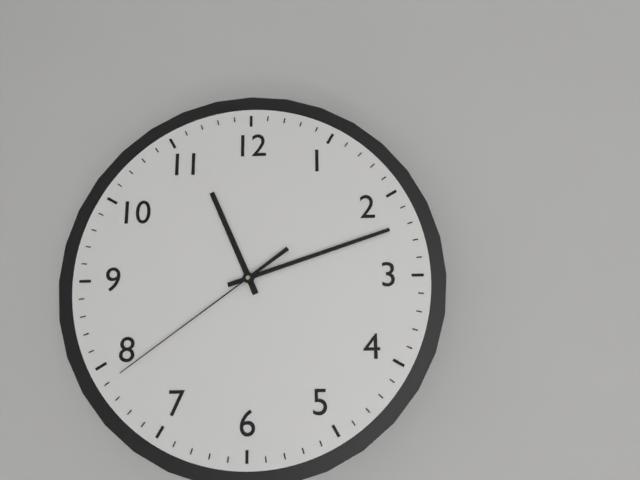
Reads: 11,12,39
